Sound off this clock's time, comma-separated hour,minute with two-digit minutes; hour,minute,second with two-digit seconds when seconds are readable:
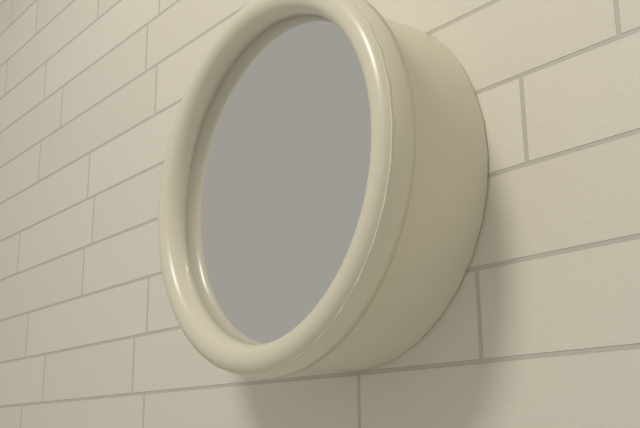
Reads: 9,00
